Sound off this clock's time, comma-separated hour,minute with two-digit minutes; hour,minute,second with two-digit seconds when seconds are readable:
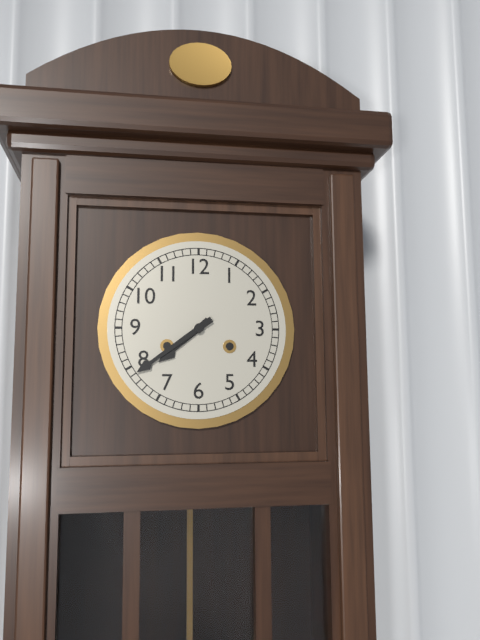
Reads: 7,39
